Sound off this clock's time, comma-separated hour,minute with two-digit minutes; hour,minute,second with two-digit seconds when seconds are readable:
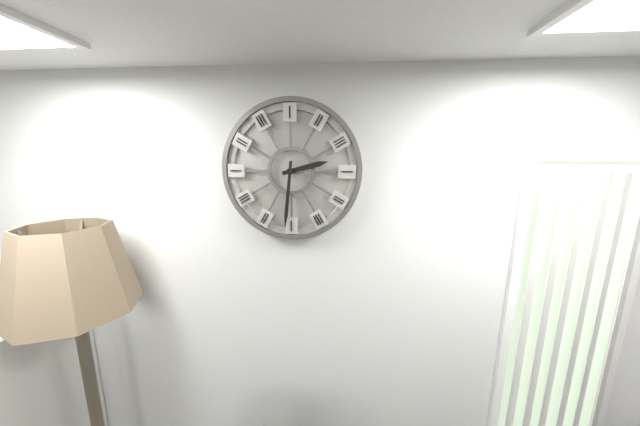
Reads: 2,31
